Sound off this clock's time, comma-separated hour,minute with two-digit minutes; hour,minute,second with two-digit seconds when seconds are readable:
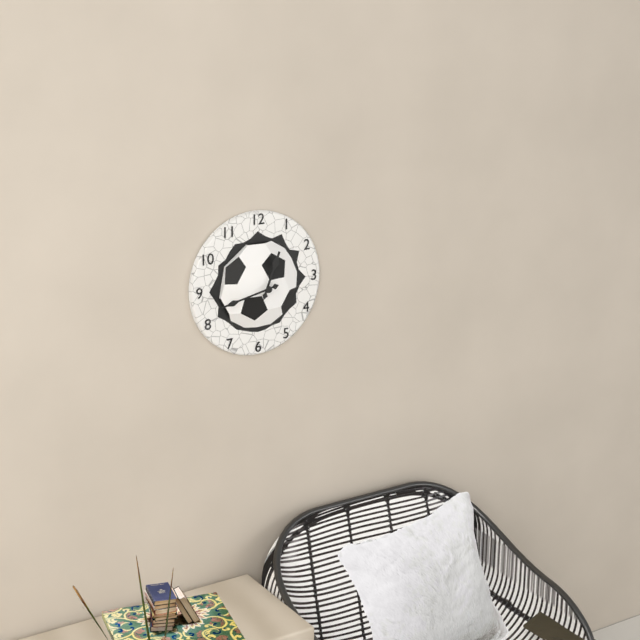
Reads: 12,43
